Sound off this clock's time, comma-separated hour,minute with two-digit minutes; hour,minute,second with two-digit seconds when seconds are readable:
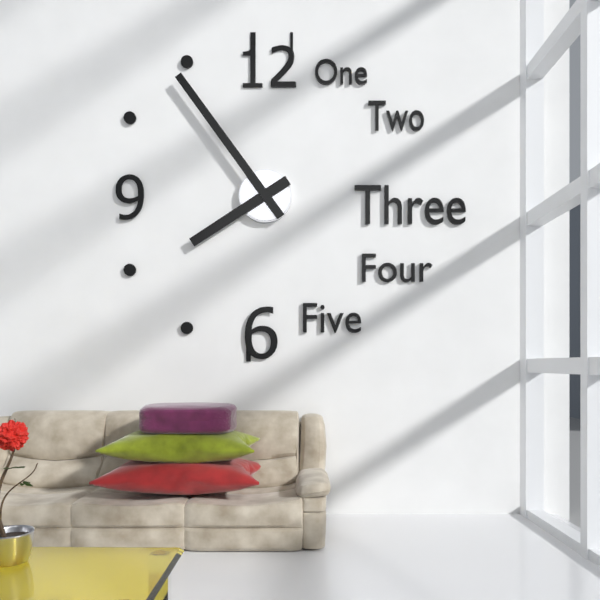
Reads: 7,54
